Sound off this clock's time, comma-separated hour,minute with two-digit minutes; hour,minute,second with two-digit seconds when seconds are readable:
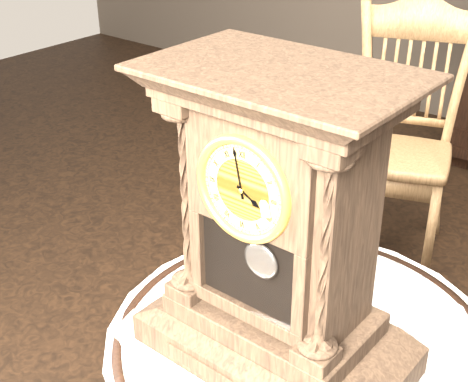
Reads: 3,58
